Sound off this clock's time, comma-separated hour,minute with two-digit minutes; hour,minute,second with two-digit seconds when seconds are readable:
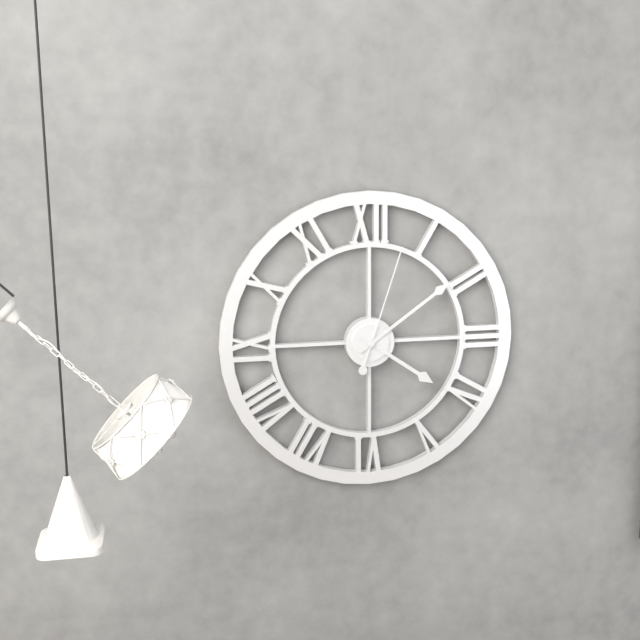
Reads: 4,09,03
